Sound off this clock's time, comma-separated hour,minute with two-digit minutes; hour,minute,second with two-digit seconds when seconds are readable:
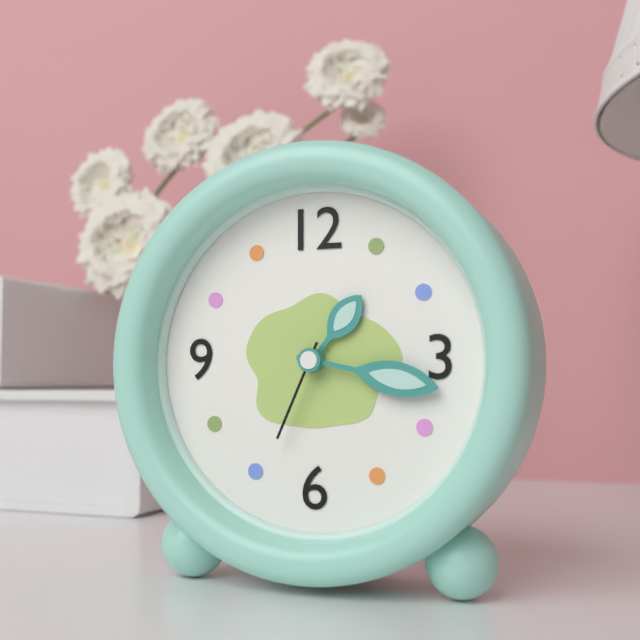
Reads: 1,17,34
